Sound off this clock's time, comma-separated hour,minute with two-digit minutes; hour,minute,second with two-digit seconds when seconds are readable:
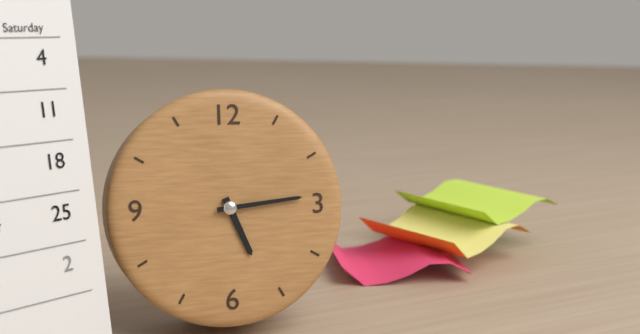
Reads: 5,14
